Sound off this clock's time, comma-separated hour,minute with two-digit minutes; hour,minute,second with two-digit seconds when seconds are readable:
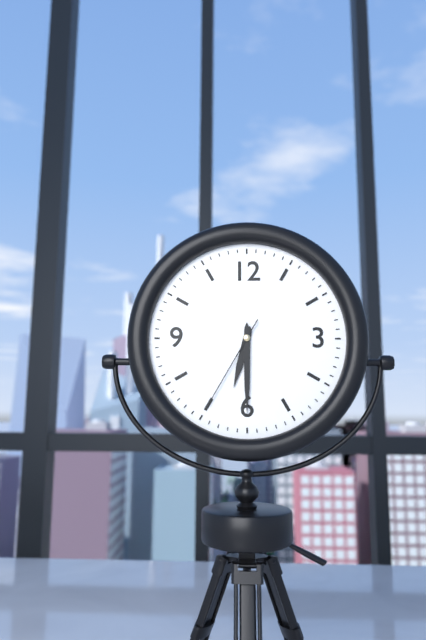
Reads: 6,30,35
